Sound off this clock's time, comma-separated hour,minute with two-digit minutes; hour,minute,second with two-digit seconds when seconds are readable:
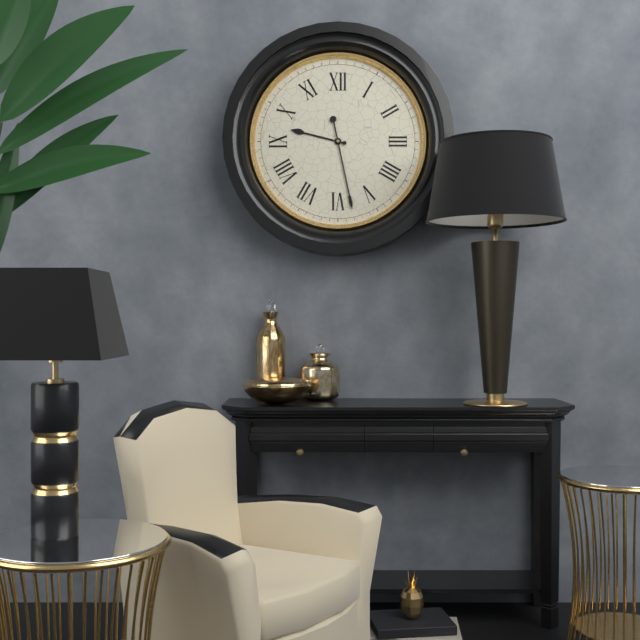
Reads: 9,28
